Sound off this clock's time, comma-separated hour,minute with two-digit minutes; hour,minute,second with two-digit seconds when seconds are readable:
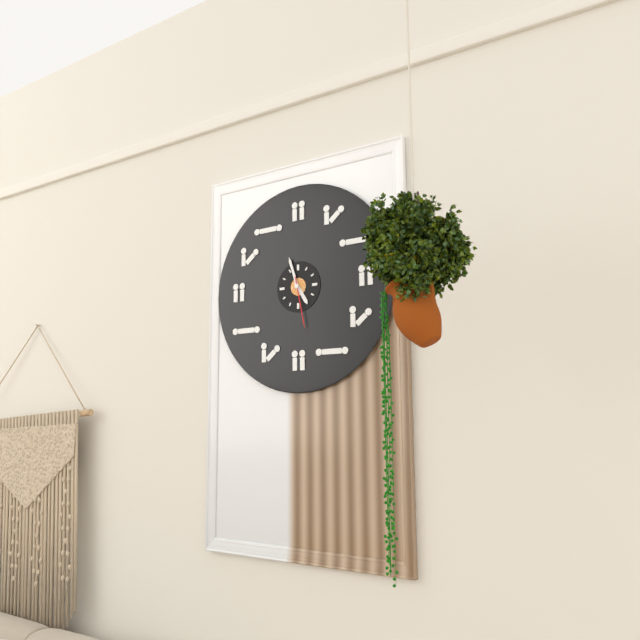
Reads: 4,57,28
